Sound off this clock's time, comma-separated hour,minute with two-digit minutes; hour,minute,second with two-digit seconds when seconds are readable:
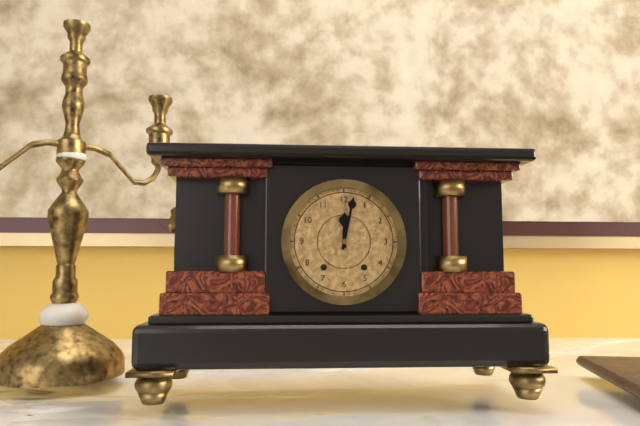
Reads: 12,02
